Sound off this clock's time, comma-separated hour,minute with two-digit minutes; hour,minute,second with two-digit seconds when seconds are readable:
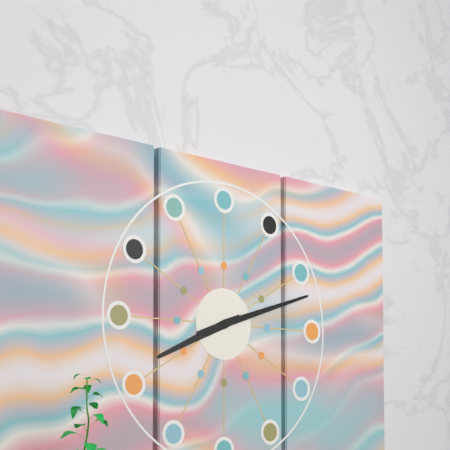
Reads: 8,12
